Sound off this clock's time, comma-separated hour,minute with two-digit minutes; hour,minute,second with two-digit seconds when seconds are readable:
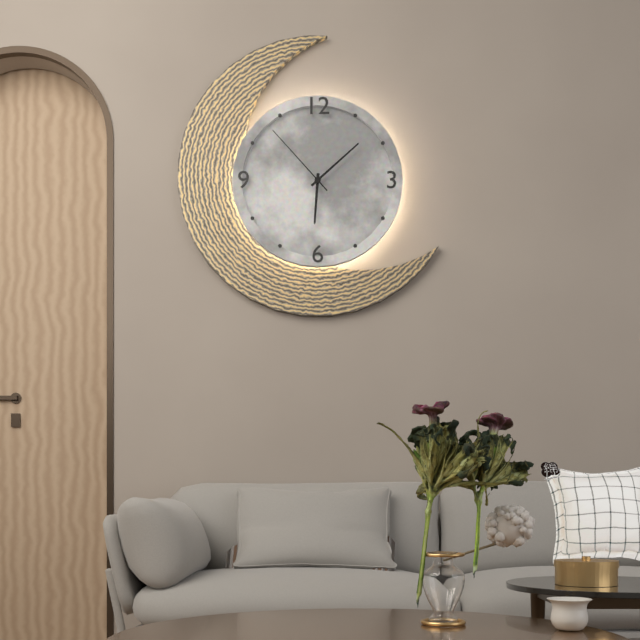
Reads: 6,08,53
